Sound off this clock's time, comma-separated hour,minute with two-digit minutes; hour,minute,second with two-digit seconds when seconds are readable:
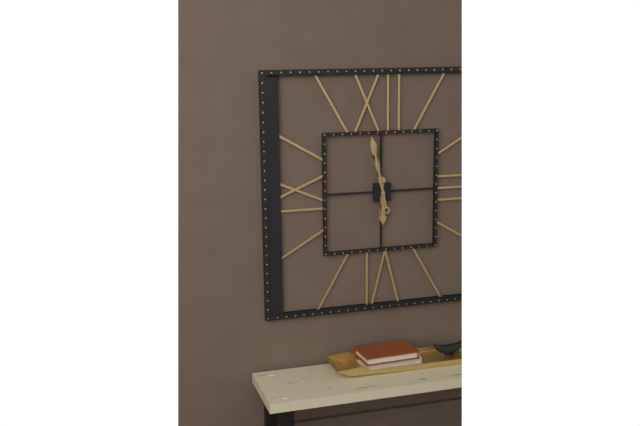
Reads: 5,58
